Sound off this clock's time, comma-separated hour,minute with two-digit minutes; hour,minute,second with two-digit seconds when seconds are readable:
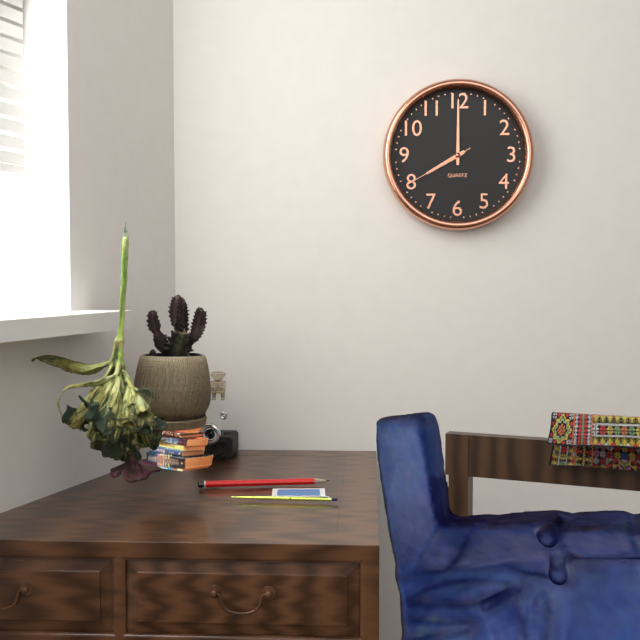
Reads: 8,00,40
